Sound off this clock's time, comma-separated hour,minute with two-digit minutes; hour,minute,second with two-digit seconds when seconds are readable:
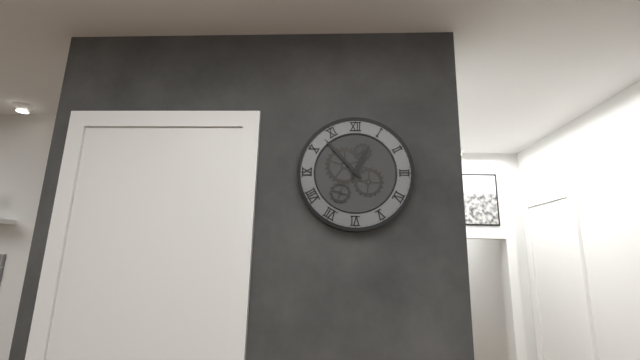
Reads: 12,53
